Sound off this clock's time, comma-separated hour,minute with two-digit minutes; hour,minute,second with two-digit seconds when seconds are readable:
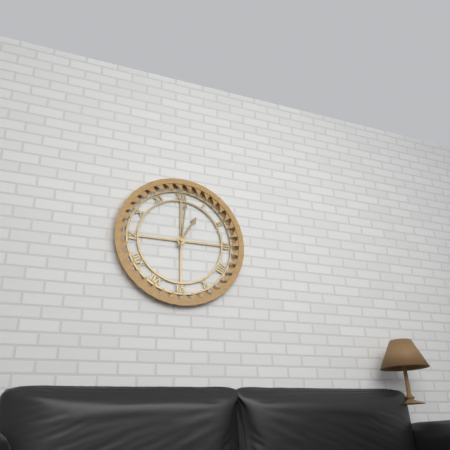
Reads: 1,01
